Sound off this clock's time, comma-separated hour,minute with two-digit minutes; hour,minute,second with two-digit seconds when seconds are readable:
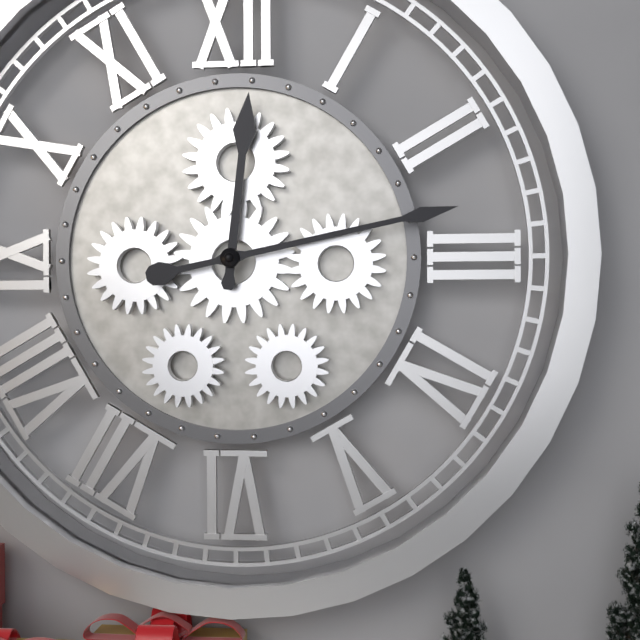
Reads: 12,13
